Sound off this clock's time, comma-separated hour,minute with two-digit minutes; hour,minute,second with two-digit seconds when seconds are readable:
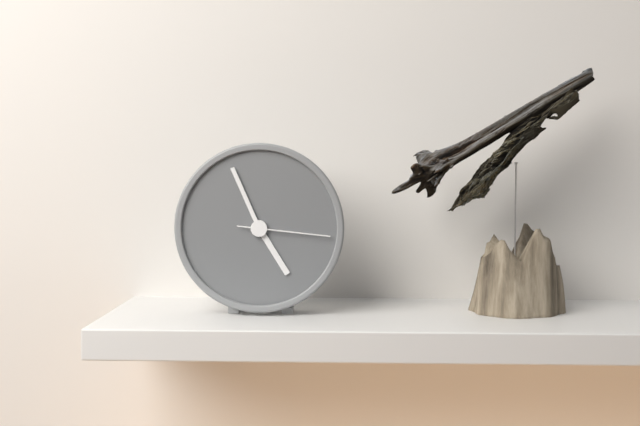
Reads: 4,56,16
